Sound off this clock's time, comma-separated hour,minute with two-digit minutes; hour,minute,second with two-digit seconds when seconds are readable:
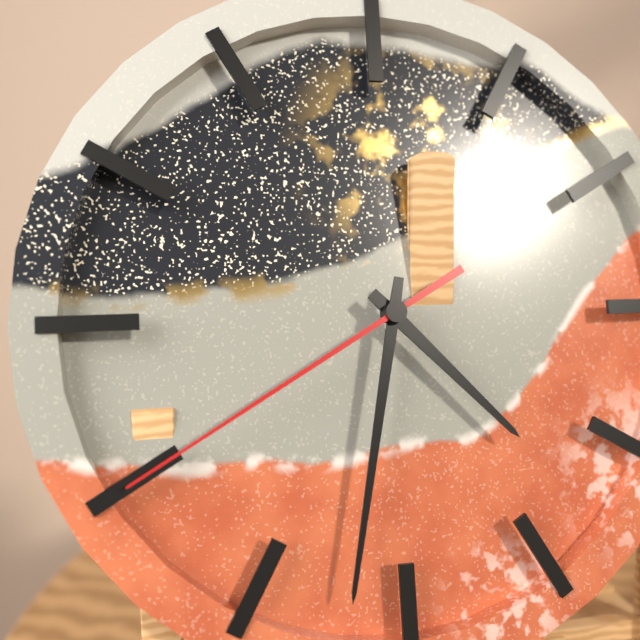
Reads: 4,32,40
